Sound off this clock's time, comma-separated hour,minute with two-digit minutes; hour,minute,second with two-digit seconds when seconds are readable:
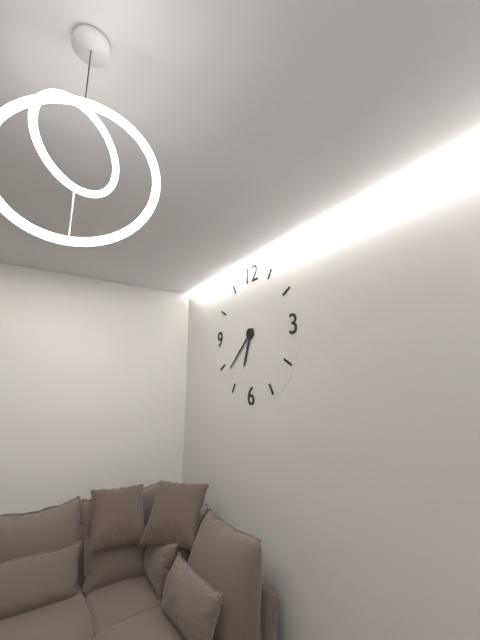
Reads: 6,38
